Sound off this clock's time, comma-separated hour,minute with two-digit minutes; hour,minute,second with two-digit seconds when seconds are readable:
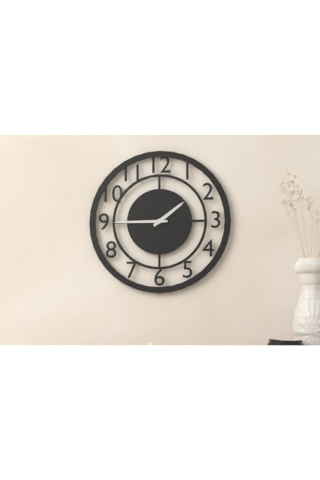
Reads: 1,45
